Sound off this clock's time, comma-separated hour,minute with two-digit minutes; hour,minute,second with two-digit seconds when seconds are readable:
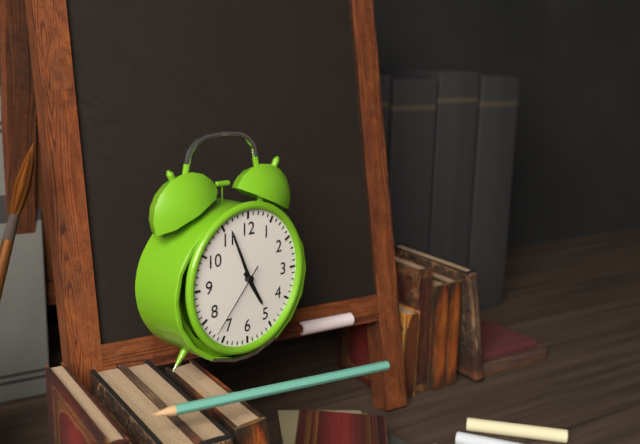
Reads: 4,56,37
